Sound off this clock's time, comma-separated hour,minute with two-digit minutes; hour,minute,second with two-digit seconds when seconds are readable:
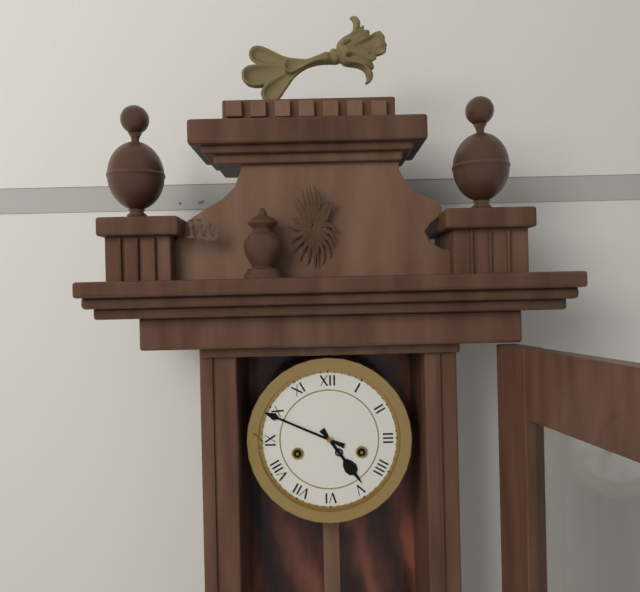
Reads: 4,49
